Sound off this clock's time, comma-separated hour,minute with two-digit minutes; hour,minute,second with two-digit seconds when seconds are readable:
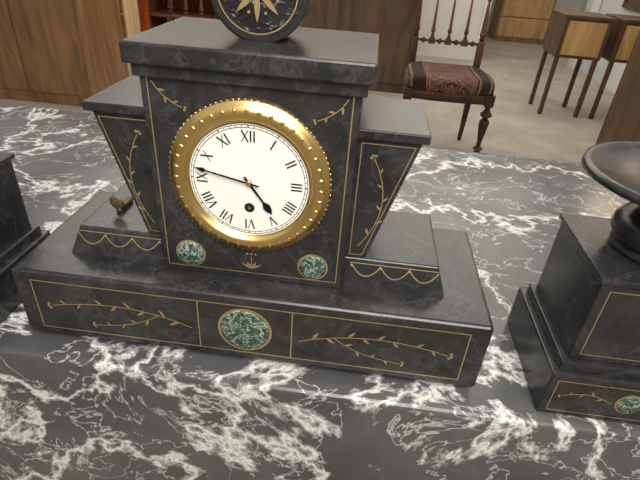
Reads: 4,47
